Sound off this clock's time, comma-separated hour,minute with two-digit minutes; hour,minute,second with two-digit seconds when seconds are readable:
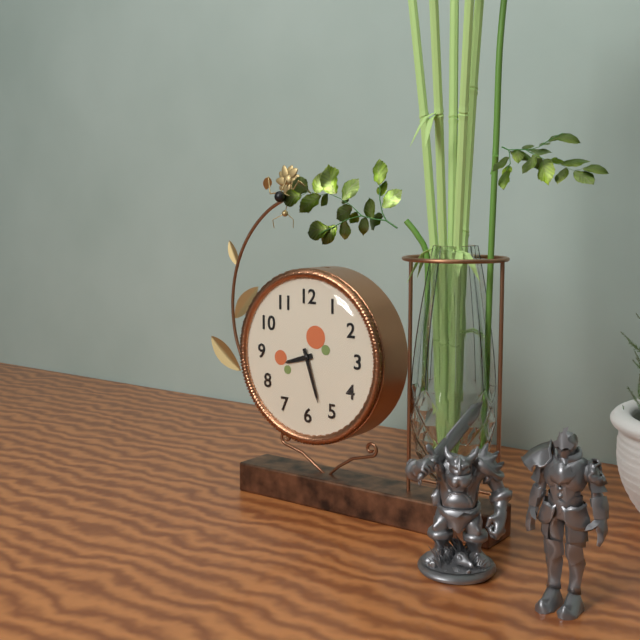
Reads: 8,27
